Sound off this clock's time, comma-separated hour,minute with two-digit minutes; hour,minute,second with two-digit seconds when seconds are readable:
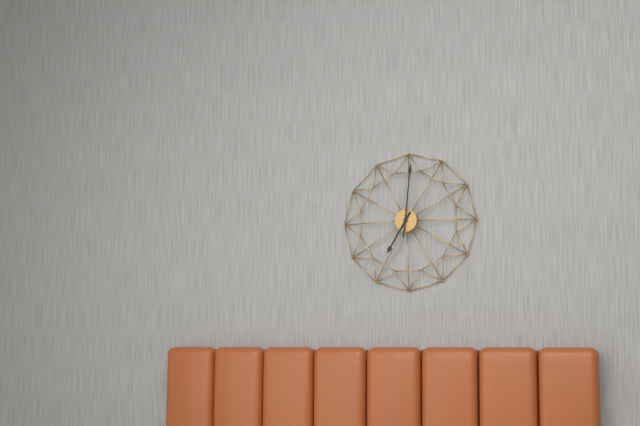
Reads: 7,01
